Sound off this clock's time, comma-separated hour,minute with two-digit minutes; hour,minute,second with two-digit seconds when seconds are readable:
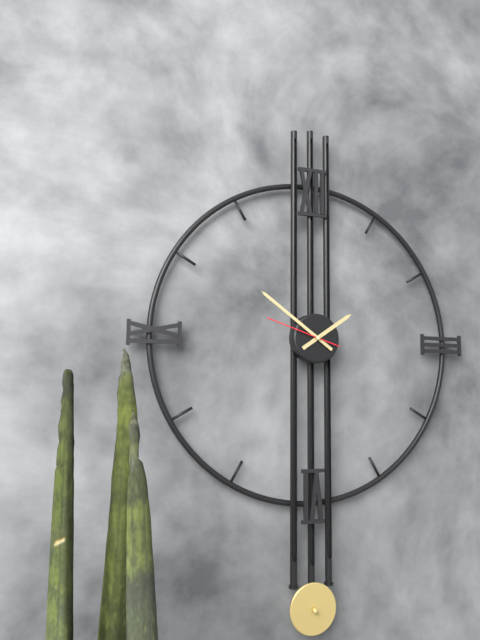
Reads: 1,51,48
